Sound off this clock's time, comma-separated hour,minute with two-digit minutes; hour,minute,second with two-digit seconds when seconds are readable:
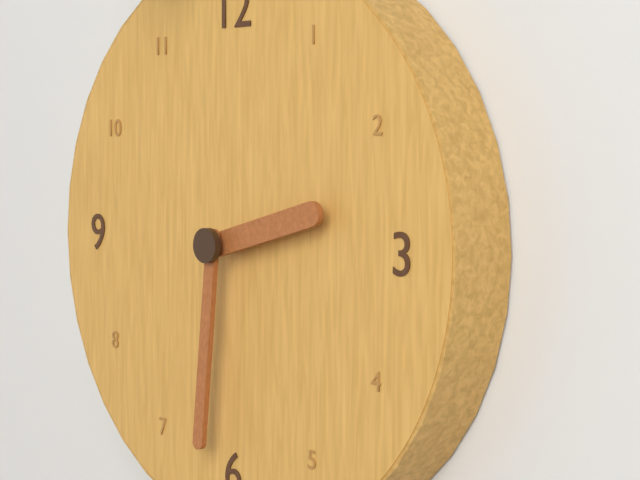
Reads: 2,31
